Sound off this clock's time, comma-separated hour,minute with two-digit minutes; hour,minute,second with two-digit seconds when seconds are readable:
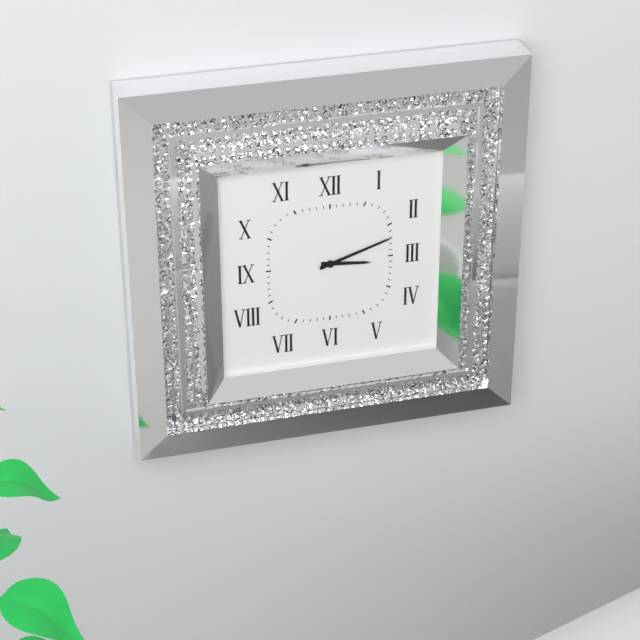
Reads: 3,12
